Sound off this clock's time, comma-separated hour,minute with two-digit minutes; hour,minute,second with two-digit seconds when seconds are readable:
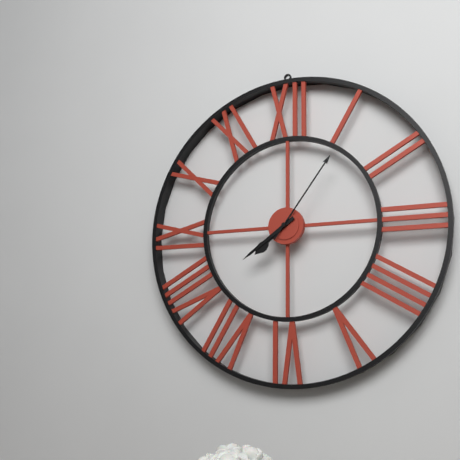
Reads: 7,39,06
